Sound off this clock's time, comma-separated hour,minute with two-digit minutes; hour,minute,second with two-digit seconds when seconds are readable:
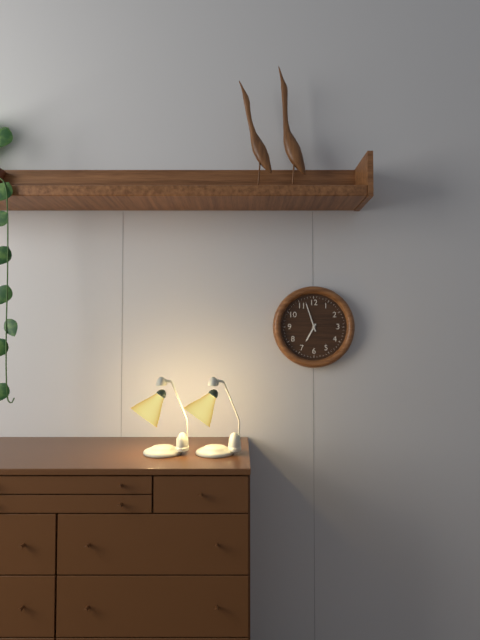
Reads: 6,57
